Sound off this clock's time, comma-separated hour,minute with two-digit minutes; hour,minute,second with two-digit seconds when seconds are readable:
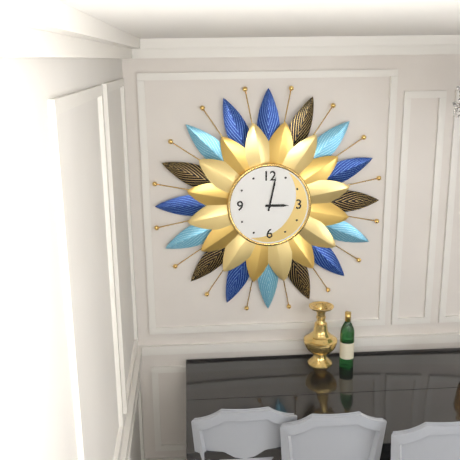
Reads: 3,02
